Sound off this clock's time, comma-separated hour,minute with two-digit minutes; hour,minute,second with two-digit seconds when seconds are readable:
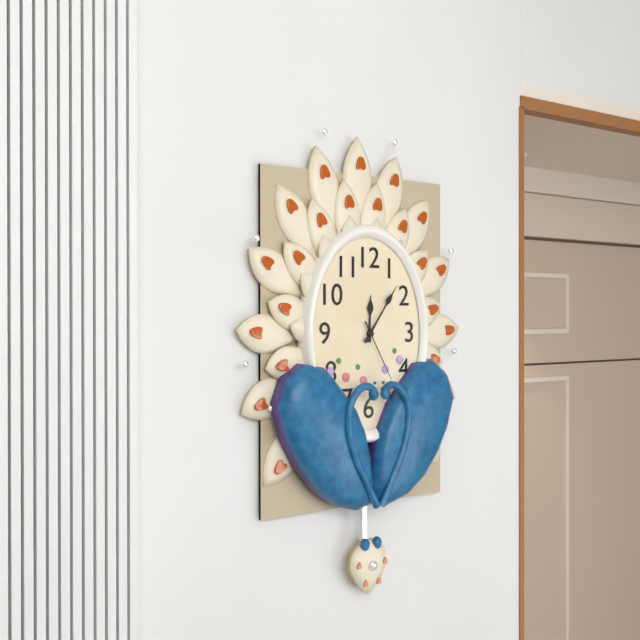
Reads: 12,06,25
